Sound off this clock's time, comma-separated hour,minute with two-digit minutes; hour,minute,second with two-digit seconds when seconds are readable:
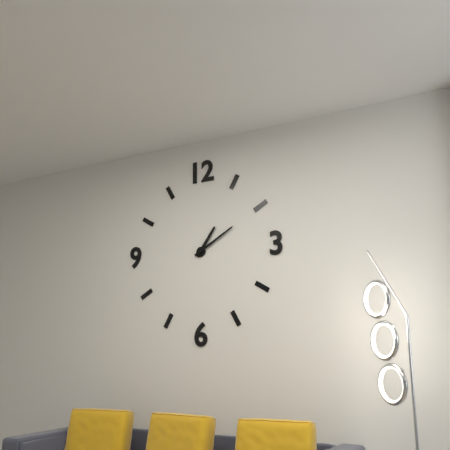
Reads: 1,10
